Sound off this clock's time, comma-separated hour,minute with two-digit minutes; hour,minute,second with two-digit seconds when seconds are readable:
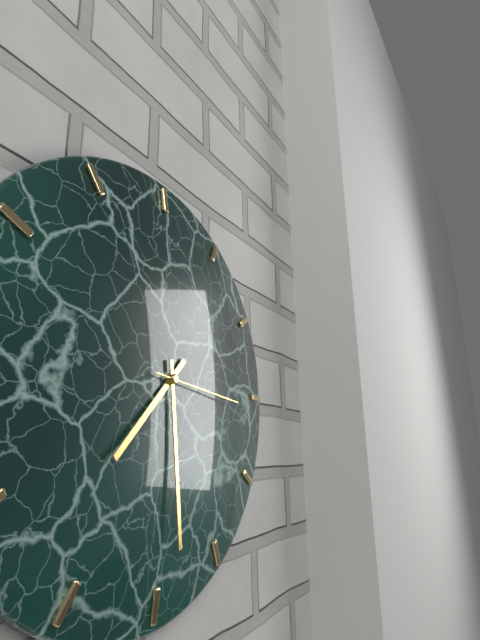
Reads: 7,29,16
